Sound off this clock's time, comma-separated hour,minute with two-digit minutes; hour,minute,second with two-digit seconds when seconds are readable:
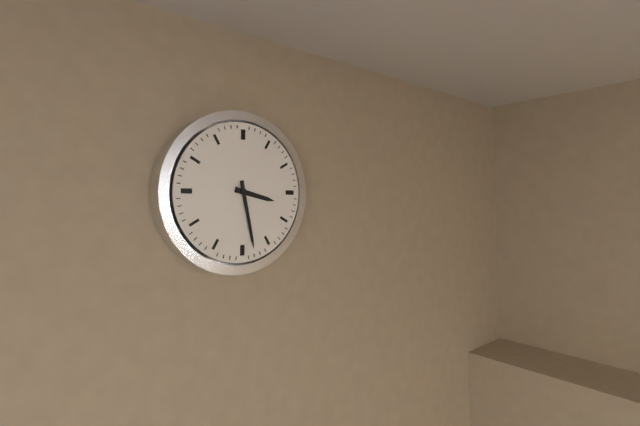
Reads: 3,28
